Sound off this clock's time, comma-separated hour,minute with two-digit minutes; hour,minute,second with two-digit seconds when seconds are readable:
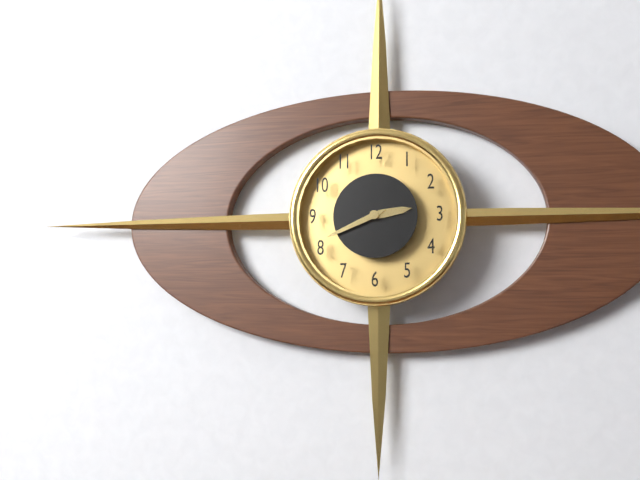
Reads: 2,41
